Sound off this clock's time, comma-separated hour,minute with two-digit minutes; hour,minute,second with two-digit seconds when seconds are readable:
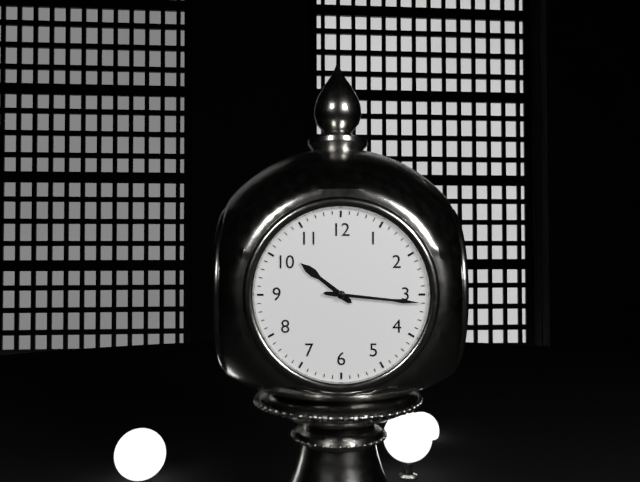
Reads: 10,16
